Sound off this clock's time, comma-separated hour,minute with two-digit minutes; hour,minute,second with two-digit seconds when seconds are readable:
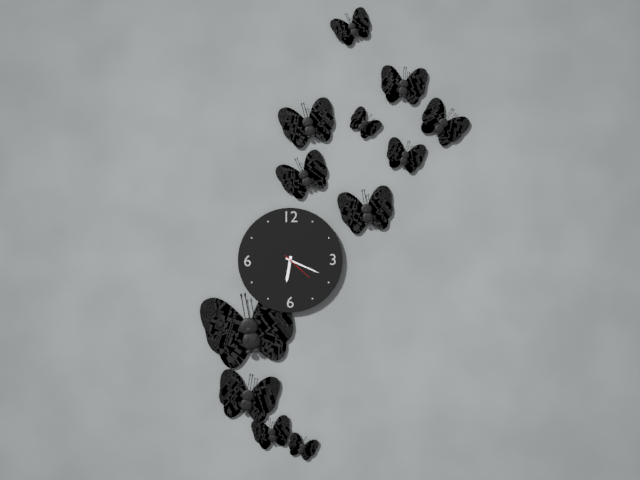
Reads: 6,19
